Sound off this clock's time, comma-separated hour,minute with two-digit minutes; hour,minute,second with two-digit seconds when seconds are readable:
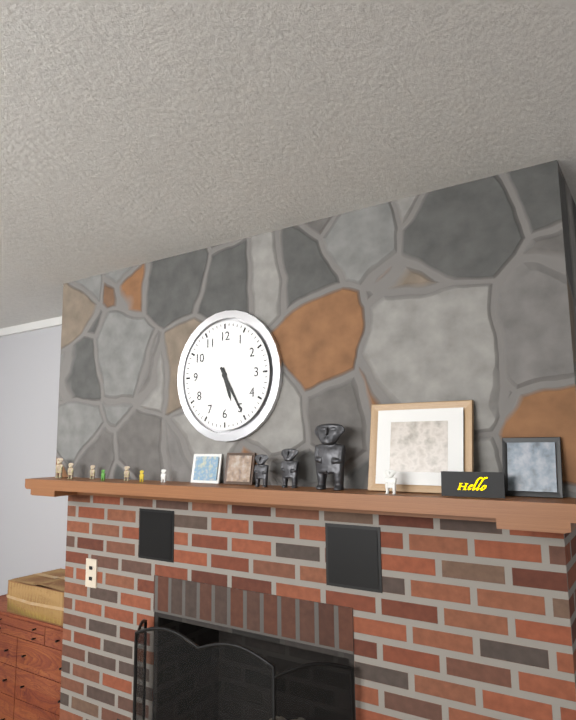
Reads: 5,25
